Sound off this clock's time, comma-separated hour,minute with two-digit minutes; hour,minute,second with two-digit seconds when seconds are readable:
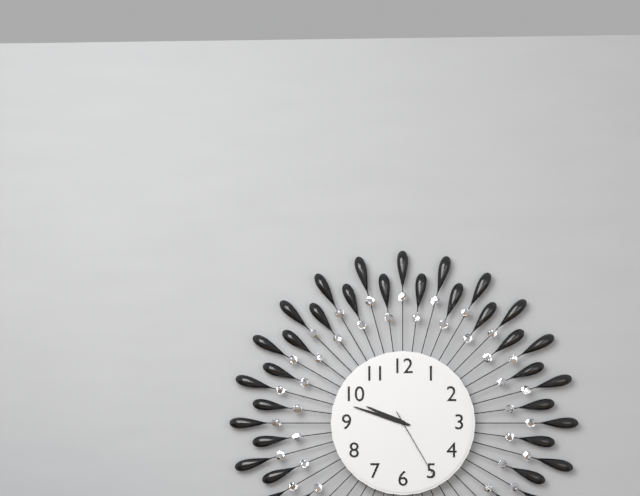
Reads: 9,48,25
